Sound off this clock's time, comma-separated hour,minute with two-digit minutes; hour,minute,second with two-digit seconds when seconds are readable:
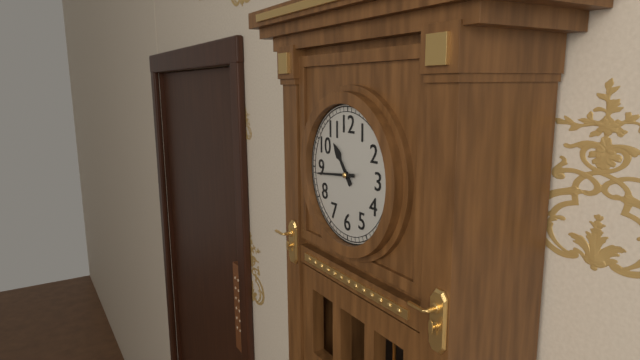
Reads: 10,44
